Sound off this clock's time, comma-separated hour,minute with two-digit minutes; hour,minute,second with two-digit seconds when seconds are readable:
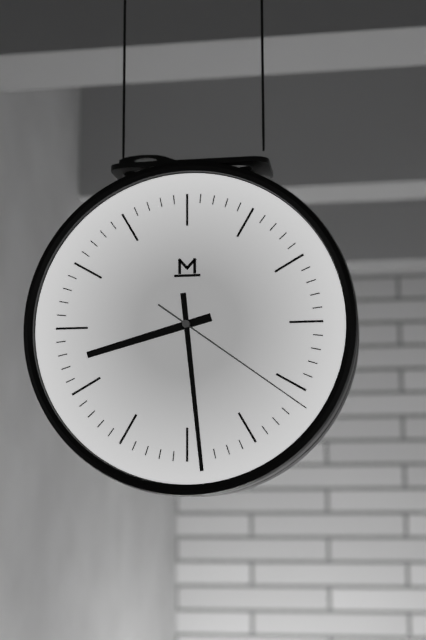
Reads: 8,29,21
